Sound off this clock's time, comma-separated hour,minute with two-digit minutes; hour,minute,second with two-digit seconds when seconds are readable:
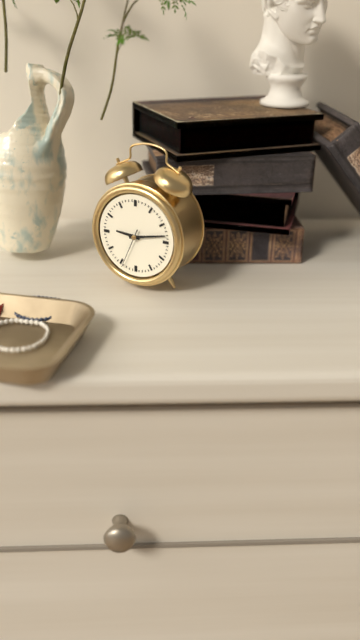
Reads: 9,13
